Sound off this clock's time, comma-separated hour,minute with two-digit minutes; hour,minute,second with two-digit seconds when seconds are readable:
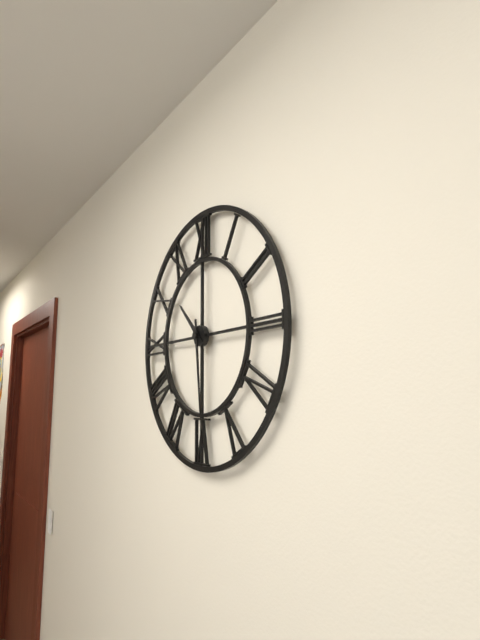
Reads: 10,29
